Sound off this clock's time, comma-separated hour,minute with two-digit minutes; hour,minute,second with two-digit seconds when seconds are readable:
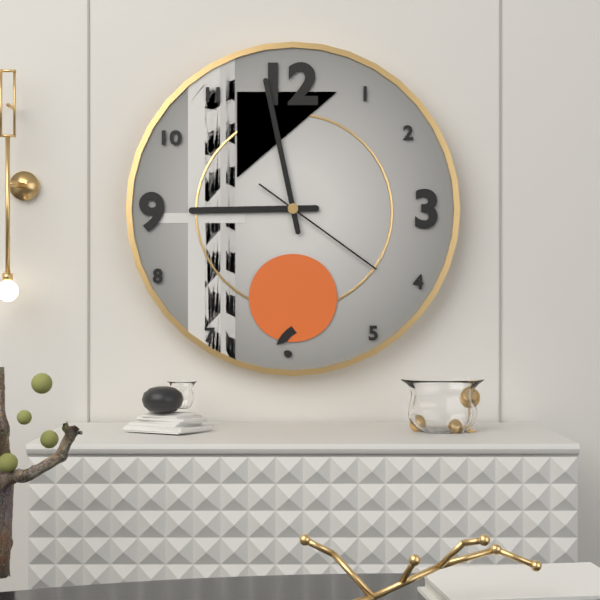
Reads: 8,58,21
